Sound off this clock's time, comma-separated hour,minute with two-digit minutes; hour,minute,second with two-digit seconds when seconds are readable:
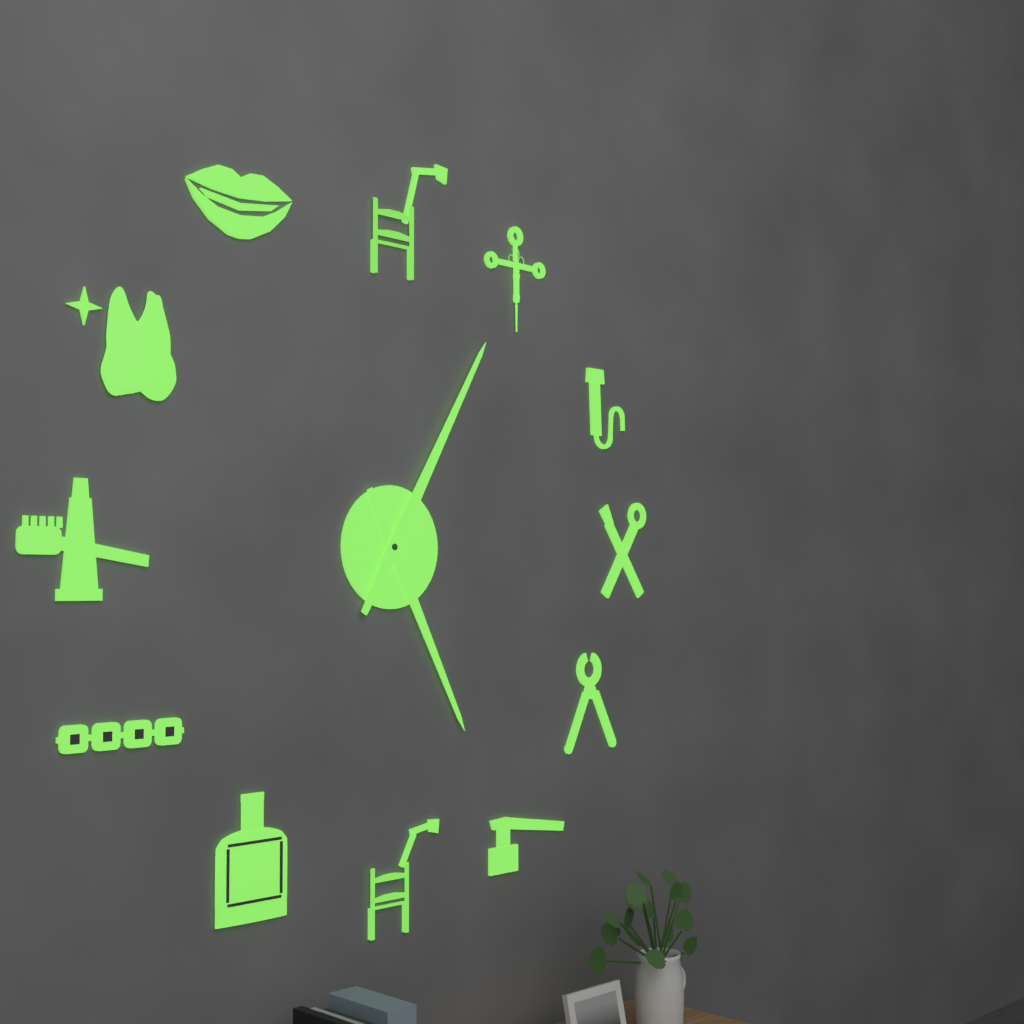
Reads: 5,05
